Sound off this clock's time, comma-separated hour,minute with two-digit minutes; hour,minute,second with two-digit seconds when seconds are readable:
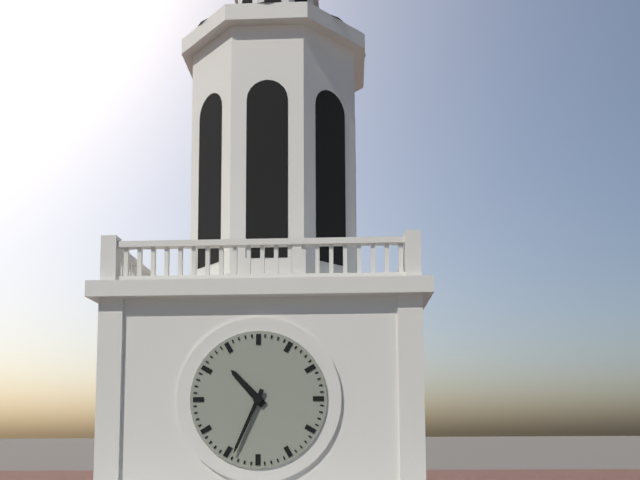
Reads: 10,34
